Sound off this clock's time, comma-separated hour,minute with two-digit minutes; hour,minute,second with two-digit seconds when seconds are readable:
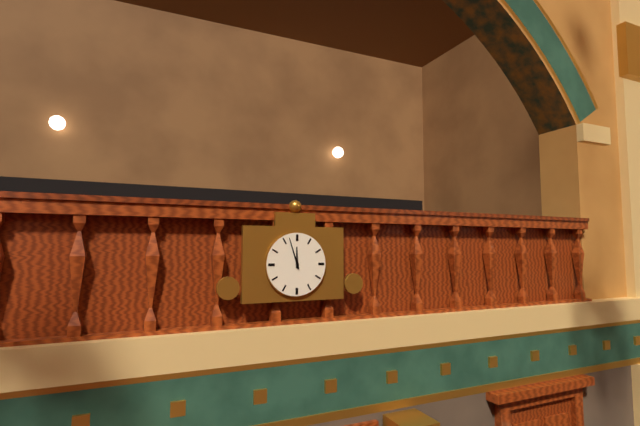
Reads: 11,57
